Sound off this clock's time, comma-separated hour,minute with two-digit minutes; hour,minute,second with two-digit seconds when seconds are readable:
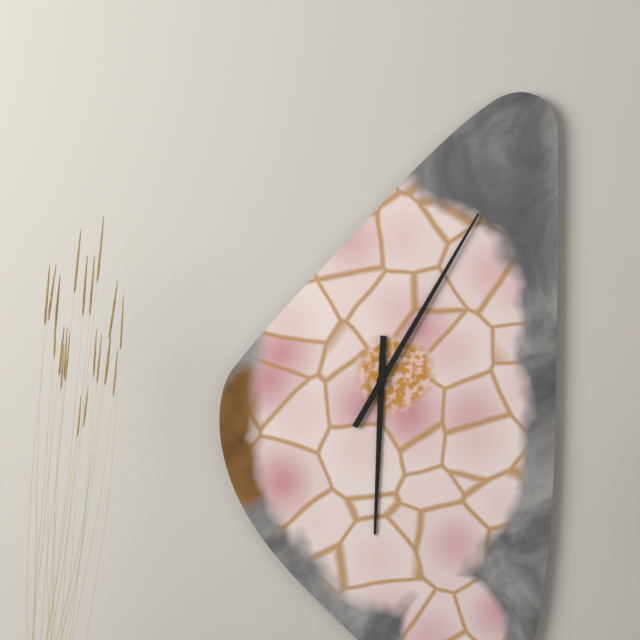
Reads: 6,05
